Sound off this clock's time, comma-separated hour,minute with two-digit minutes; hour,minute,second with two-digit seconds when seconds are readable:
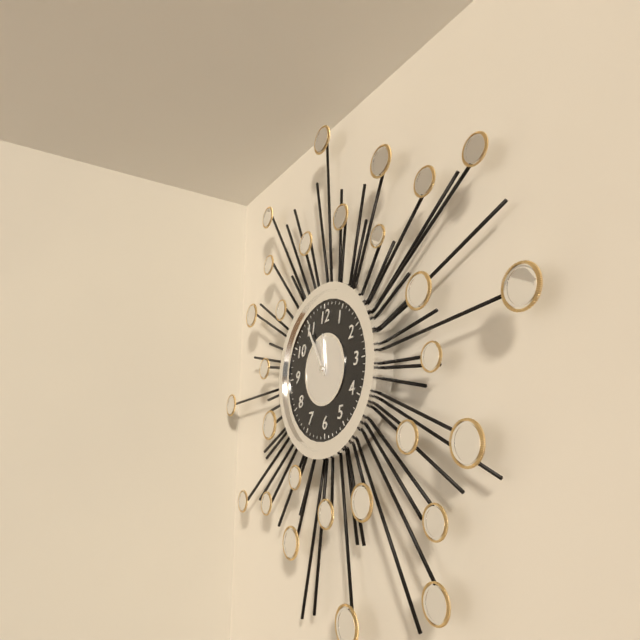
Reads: 11,55
